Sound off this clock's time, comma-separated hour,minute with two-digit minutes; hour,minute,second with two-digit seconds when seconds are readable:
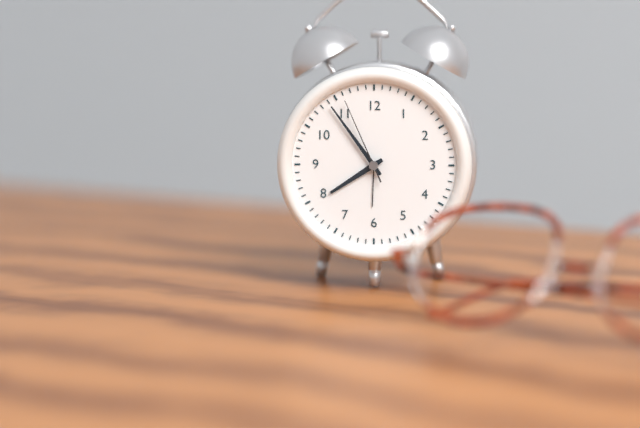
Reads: 7,54,56
